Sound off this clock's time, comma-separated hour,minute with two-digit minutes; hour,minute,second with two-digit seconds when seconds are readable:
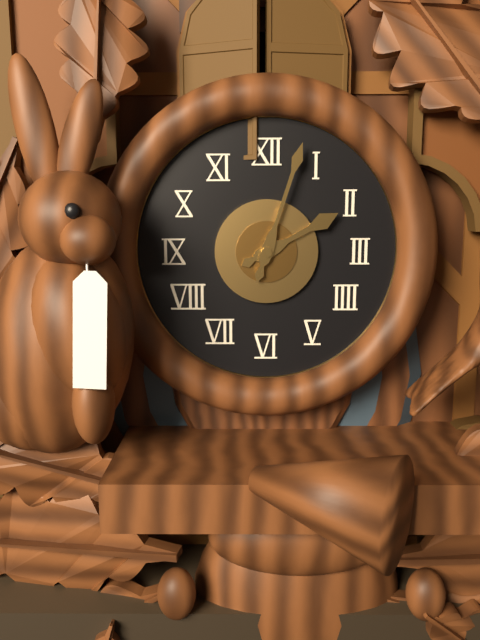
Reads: 2,03
